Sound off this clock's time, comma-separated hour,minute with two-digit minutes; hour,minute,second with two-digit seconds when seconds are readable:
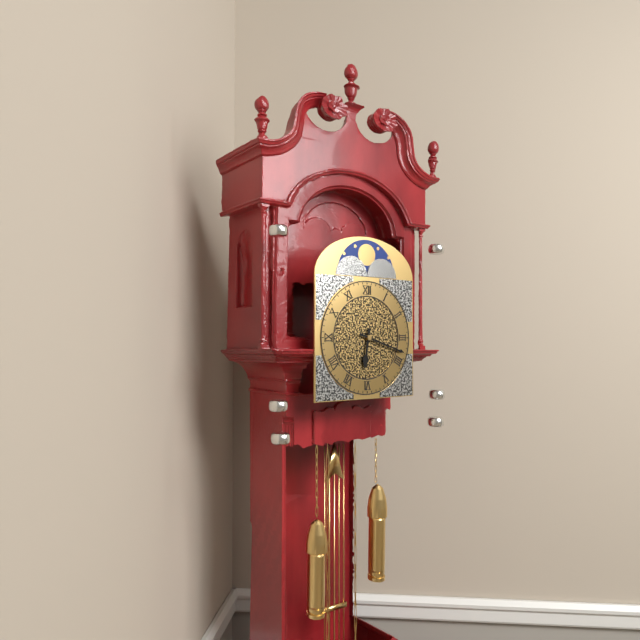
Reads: 6,18
